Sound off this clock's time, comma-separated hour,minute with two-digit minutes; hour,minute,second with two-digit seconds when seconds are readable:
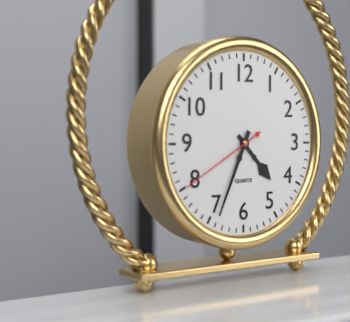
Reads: 4,34,40
